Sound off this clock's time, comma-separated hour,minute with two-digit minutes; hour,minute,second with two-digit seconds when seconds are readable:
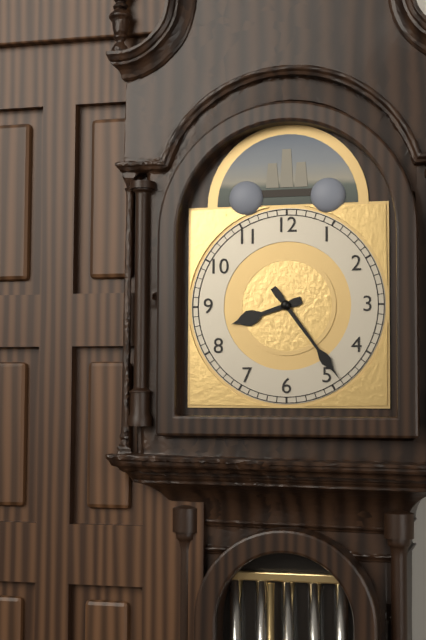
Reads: 8,24
